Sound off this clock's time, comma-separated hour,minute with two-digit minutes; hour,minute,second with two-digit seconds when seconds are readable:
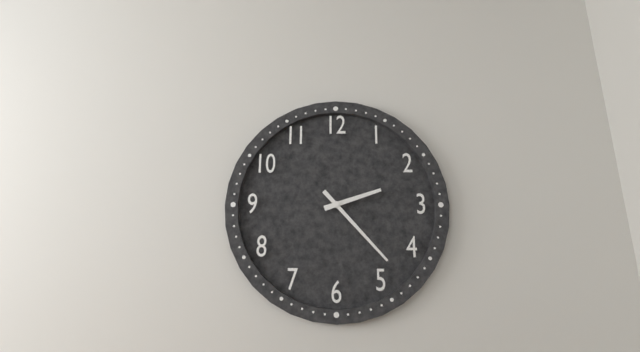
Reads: 2,23
